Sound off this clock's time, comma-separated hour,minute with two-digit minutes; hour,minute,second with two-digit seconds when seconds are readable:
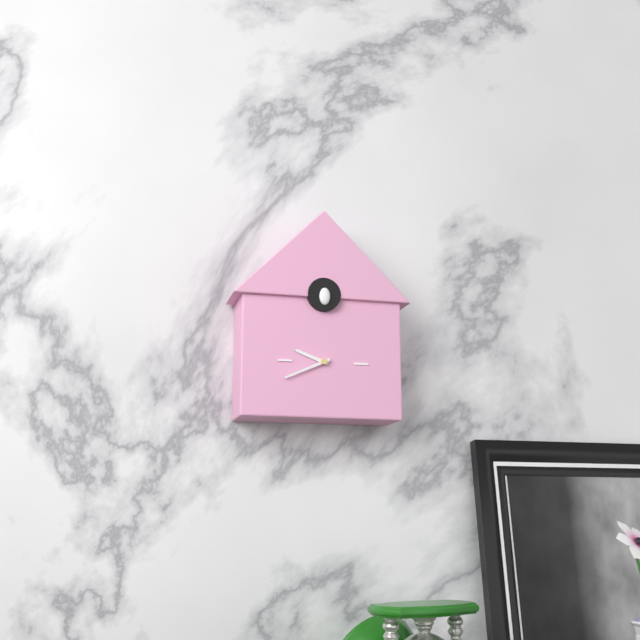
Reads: 9,41
